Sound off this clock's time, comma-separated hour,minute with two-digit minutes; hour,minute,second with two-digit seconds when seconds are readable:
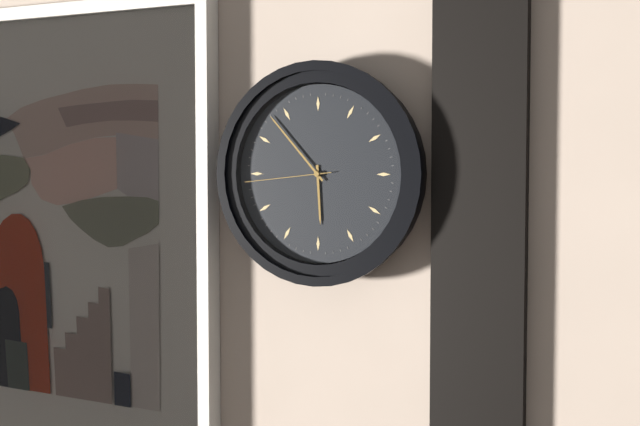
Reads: 5,53,44
